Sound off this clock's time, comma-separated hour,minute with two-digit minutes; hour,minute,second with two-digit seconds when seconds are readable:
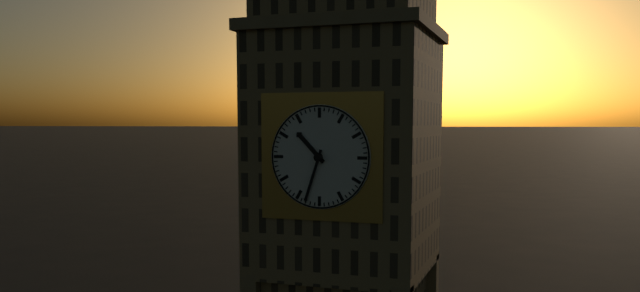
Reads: 10,33
